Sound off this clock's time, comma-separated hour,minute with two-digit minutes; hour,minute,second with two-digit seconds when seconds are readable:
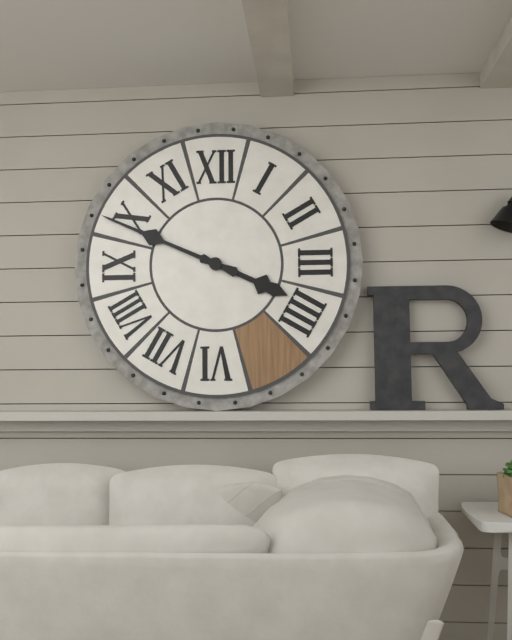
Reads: 3,49
